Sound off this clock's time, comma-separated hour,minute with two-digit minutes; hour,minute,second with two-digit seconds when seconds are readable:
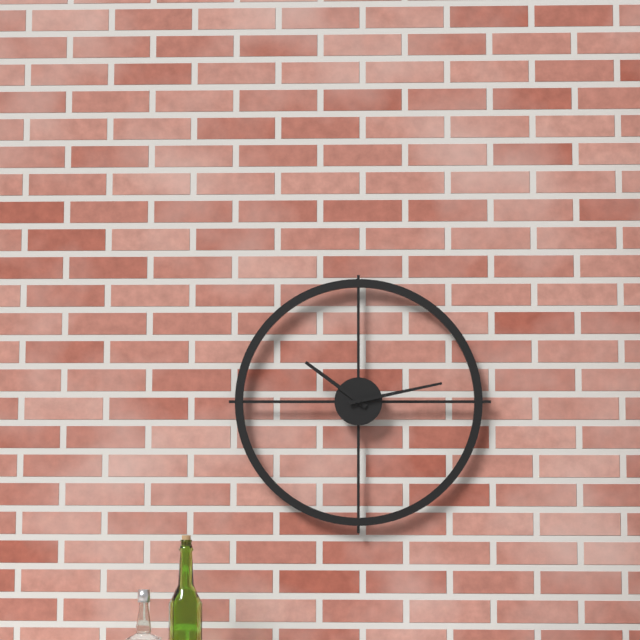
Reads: 10,13
